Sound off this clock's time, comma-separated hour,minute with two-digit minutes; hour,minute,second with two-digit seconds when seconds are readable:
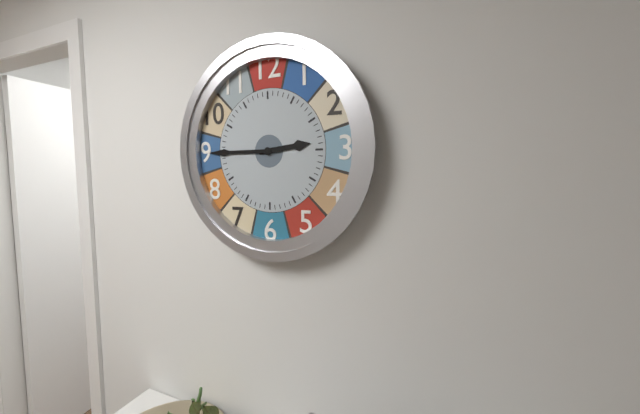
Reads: 2,45
